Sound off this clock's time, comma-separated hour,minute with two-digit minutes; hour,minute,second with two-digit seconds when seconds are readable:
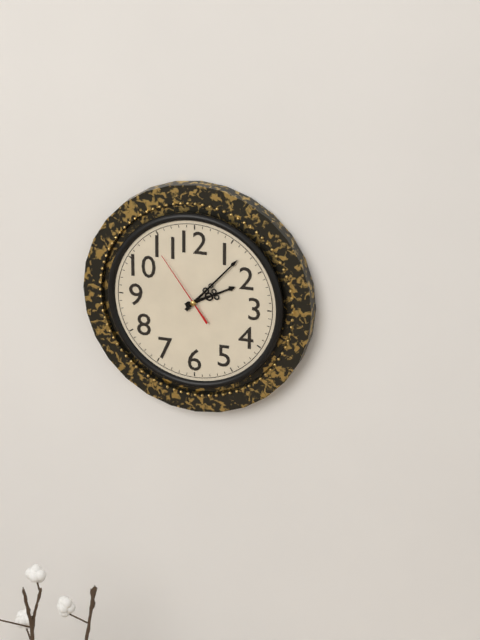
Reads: 2,07,54
